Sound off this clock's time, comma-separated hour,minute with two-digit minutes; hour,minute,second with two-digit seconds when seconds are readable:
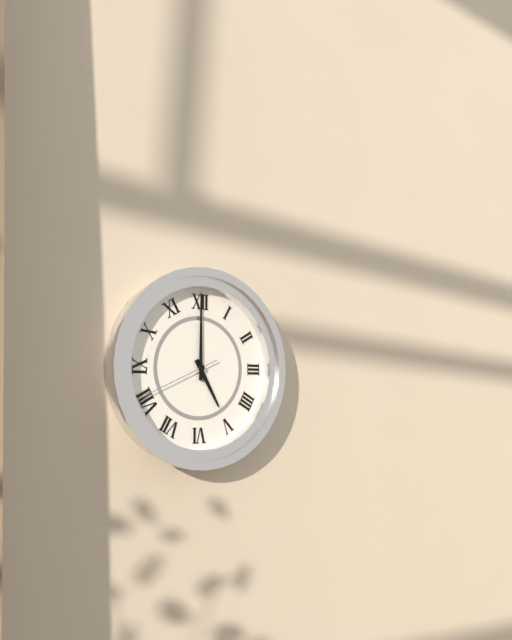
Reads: 5,00,41
